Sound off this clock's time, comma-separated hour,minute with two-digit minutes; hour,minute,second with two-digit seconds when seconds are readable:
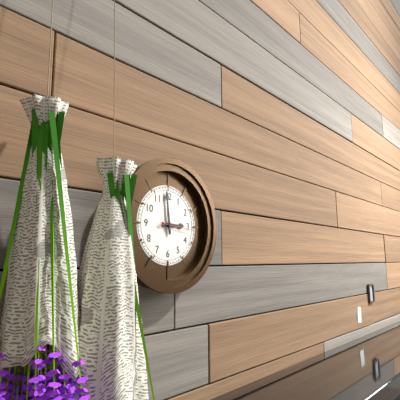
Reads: 2,59
